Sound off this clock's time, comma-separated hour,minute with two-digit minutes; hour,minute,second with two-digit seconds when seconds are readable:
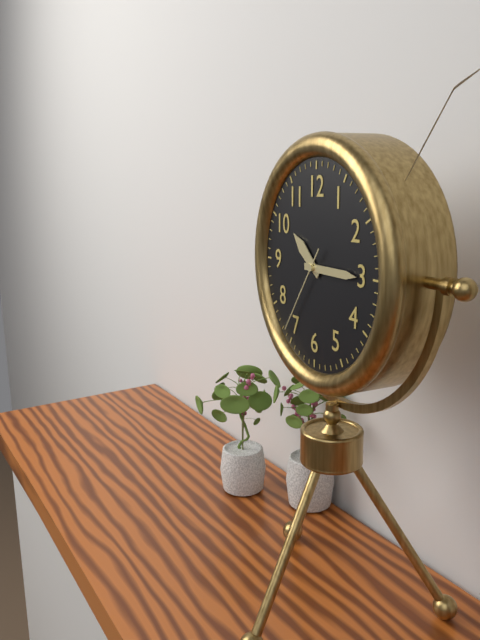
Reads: 10,15,36
